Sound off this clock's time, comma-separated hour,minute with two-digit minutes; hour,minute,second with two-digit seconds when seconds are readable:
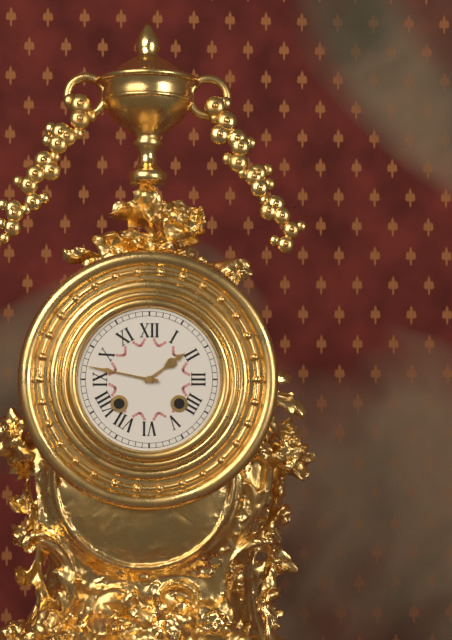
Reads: 1,47
